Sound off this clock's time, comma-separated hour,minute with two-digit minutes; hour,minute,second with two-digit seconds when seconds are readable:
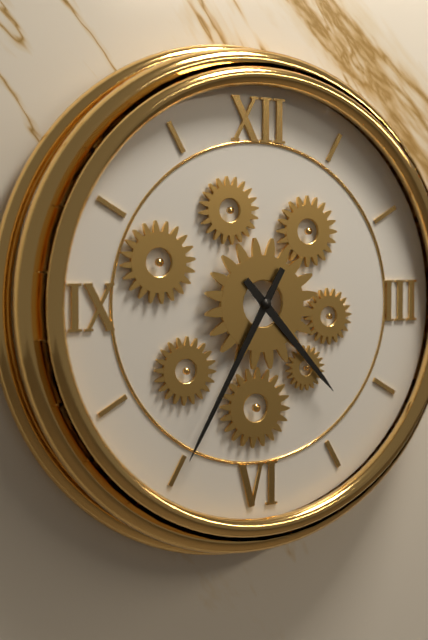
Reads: 4,35
